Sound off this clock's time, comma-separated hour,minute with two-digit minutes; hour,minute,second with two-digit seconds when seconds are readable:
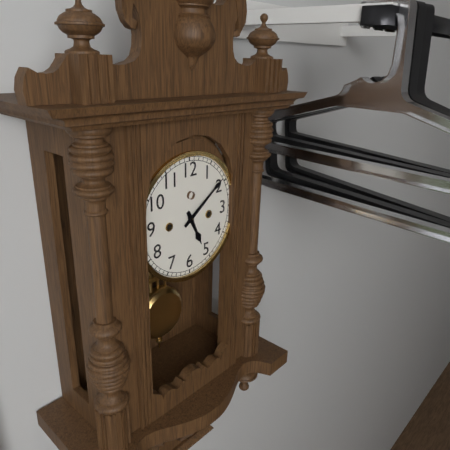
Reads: 5,09
